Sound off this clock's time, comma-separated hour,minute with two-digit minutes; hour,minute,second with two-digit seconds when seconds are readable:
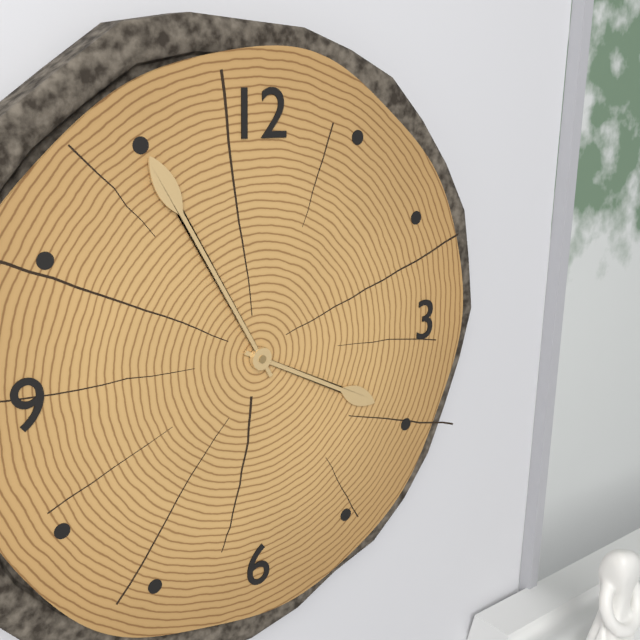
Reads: 3,55
